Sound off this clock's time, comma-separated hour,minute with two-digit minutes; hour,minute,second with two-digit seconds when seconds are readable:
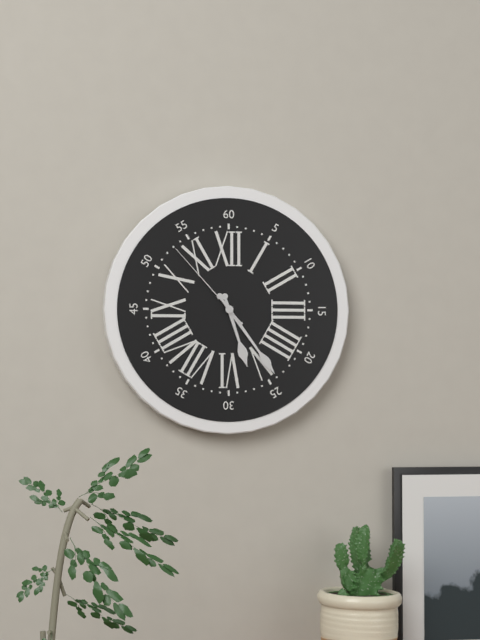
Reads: 5,24,53
